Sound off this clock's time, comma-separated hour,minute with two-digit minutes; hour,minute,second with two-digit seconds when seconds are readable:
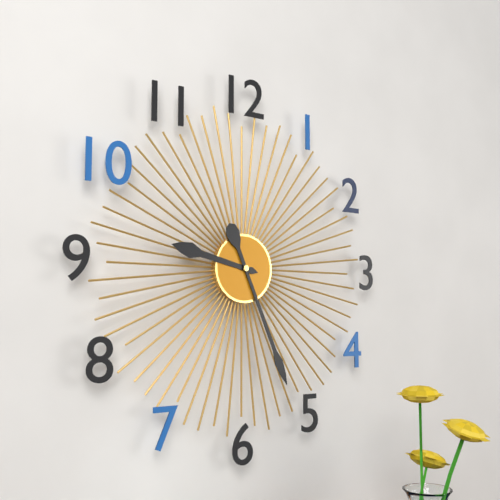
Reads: 9,26
